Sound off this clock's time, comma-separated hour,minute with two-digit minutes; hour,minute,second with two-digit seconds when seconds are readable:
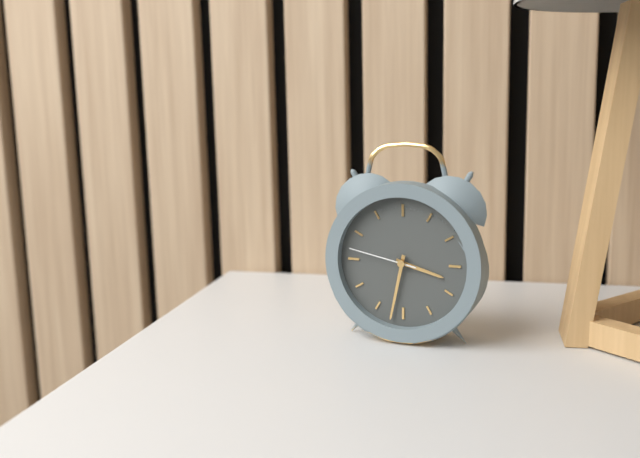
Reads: 3,32,47
